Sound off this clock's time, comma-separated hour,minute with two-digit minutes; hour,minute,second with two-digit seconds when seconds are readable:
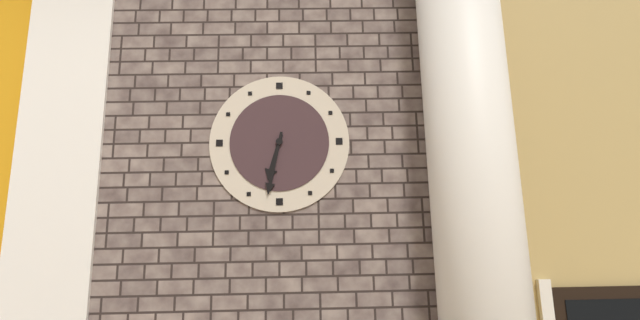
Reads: 6,32
